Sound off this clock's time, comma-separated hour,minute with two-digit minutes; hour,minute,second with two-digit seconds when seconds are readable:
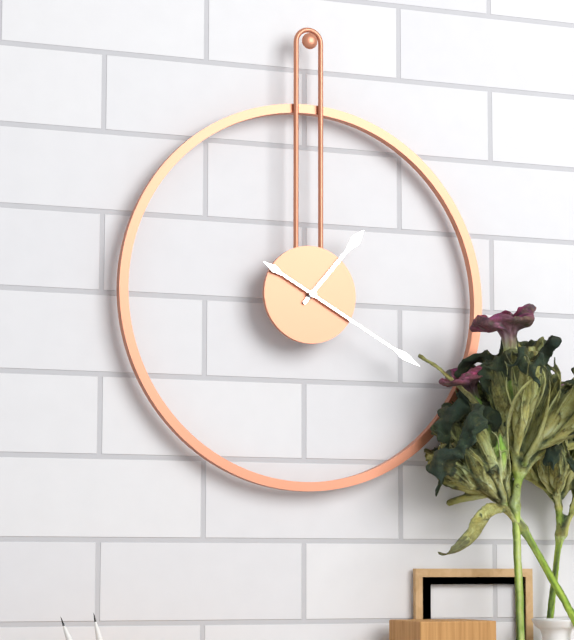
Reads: 1,20
